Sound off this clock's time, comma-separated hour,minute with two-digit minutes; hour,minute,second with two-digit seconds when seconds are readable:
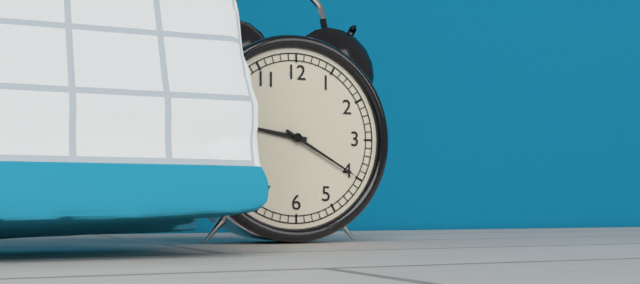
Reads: 9,20
